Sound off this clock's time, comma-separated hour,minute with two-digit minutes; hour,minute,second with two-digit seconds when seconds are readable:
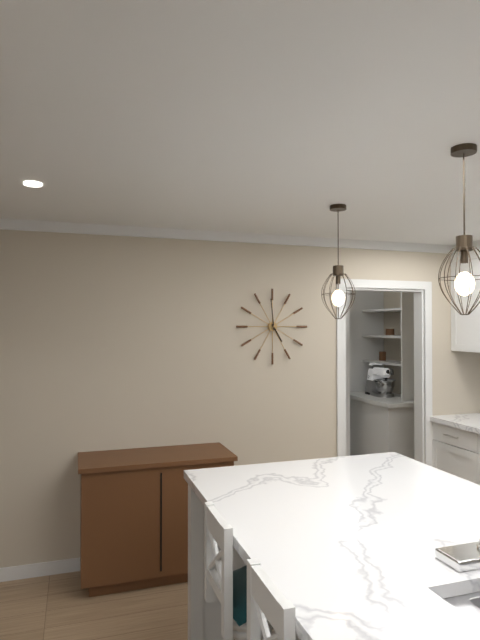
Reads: 4,59
